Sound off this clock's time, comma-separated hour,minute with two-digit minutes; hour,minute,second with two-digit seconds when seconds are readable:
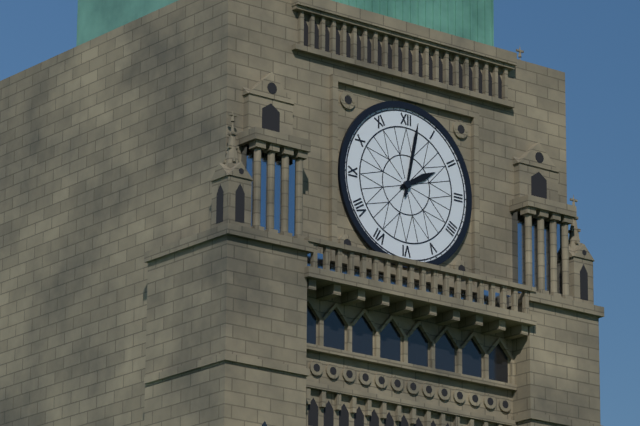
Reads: 2,02
